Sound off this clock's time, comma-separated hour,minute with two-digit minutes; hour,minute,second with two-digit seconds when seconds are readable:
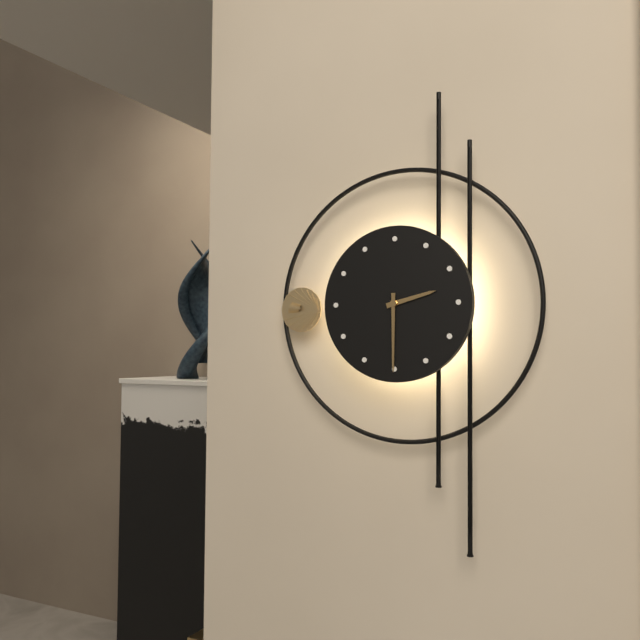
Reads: 2,30
